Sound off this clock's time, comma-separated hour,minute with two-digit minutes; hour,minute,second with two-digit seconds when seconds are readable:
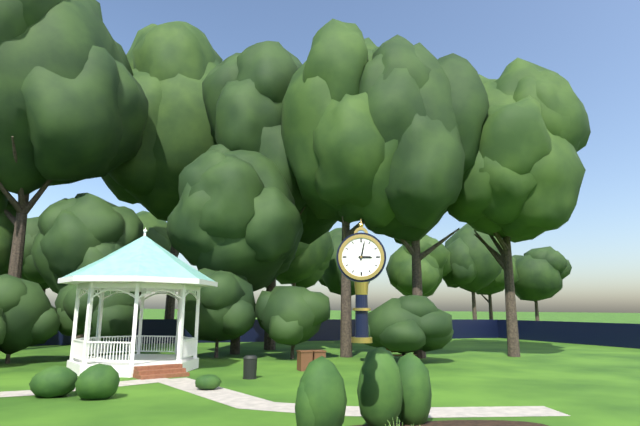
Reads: 3,02
